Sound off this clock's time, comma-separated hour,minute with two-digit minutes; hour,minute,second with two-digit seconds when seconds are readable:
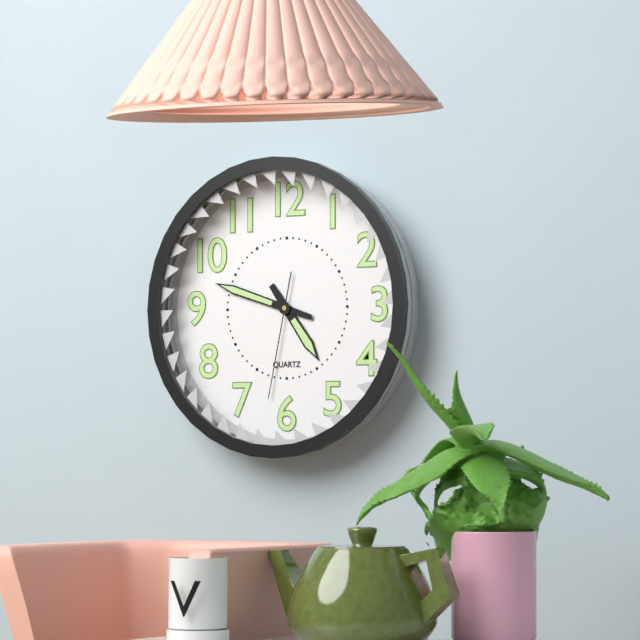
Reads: 4,48,32
